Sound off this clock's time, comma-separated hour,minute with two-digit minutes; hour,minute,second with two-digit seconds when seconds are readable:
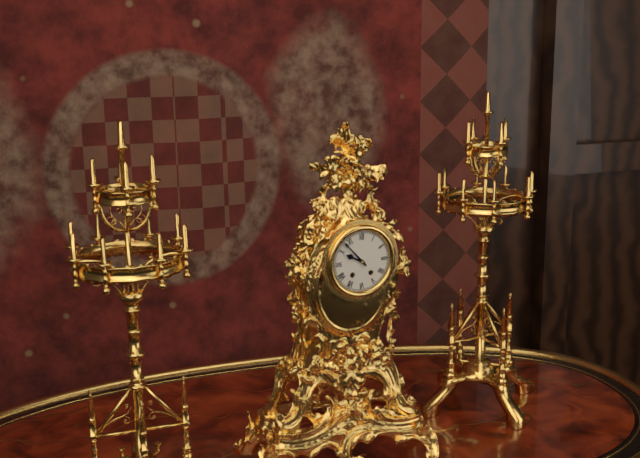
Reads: 9,53
